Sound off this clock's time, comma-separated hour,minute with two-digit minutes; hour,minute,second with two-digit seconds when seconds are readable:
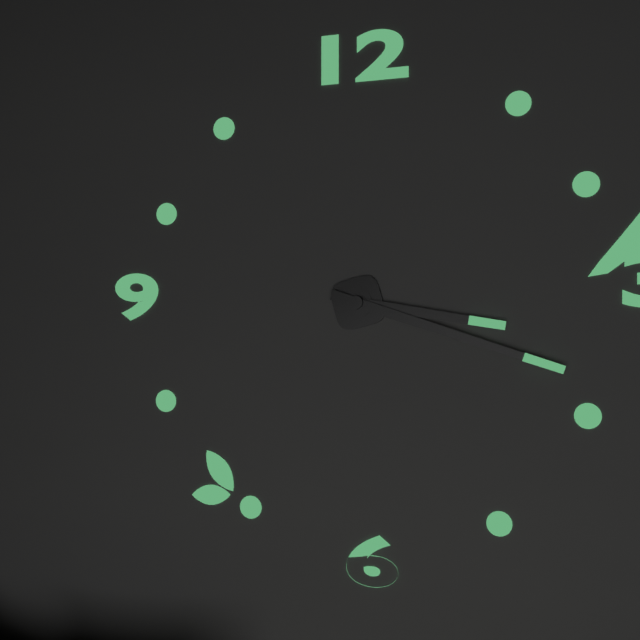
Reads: 3,18
